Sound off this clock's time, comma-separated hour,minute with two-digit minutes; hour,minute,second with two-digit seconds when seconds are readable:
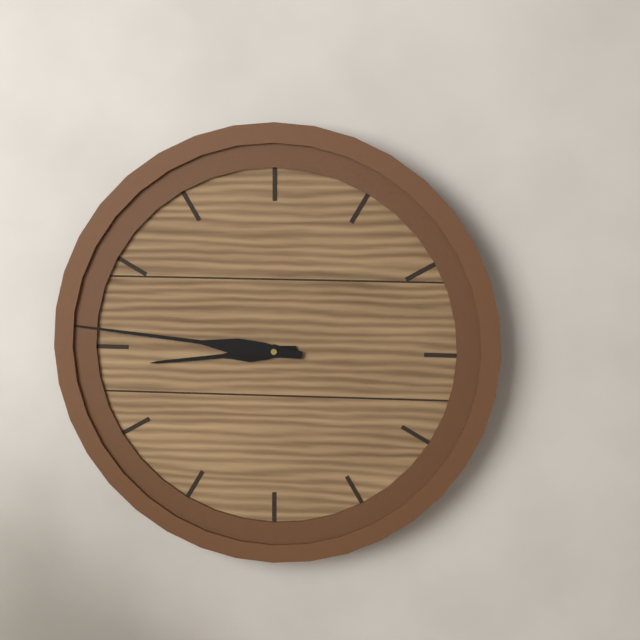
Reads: 8,46
